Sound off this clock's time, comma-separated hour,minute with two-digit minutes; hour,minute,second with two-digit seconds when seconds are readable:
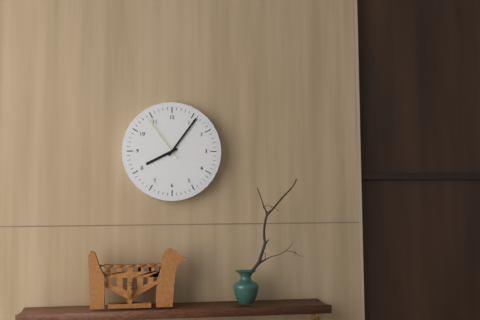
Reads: 8,06,54
